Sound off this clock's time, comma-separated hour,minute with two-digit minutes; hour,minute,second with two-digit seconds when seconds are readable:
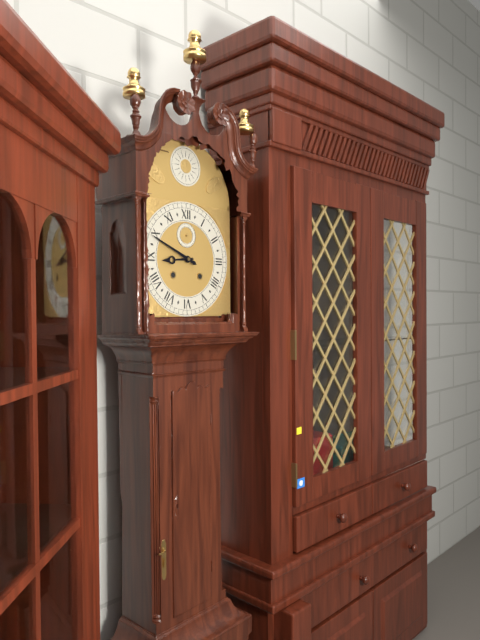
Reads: 8,49
